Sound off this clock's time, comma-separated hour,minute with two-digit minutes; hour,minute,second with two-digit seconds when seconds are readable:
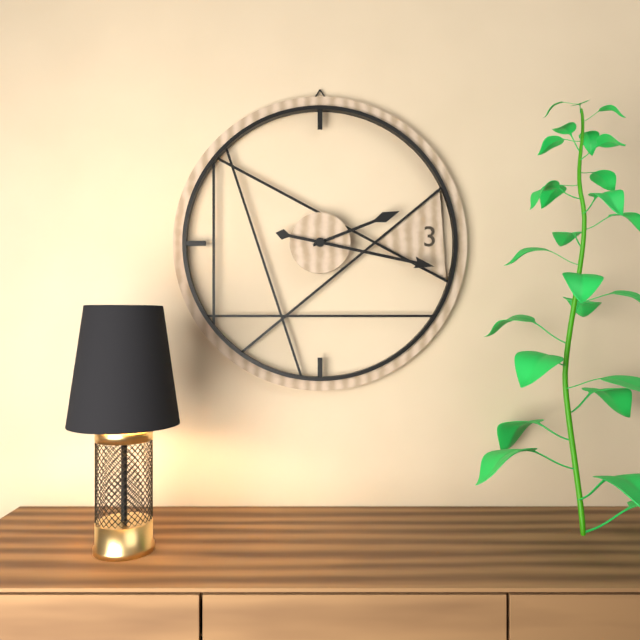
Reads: 2,17
